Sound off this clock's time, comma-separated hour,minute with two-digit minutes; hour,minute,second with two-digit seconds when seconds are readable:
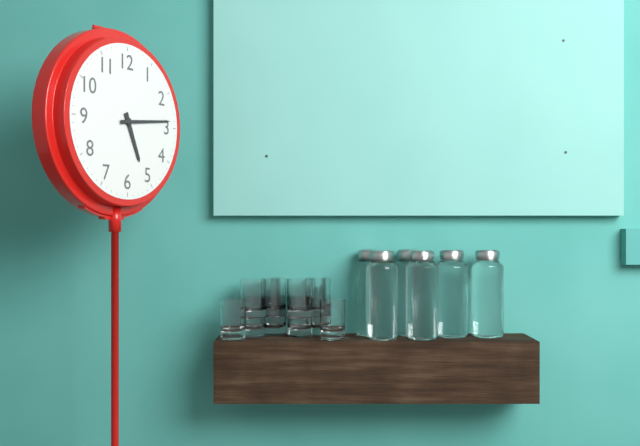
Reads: 5,14
